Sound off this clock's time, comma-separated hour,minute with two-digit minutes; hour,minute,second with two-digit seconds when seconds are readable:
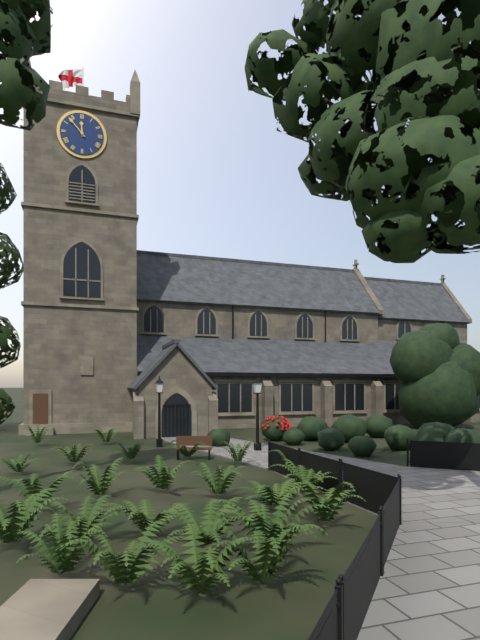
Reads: 11,53
